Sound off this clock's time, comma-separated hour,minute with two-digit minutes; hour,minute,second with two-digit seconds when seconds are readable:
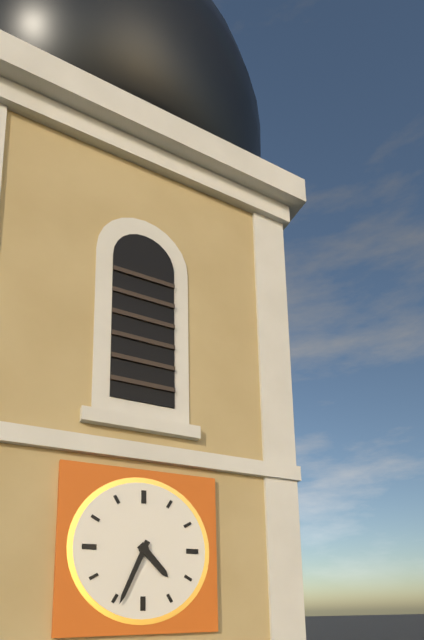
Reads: 4,34
